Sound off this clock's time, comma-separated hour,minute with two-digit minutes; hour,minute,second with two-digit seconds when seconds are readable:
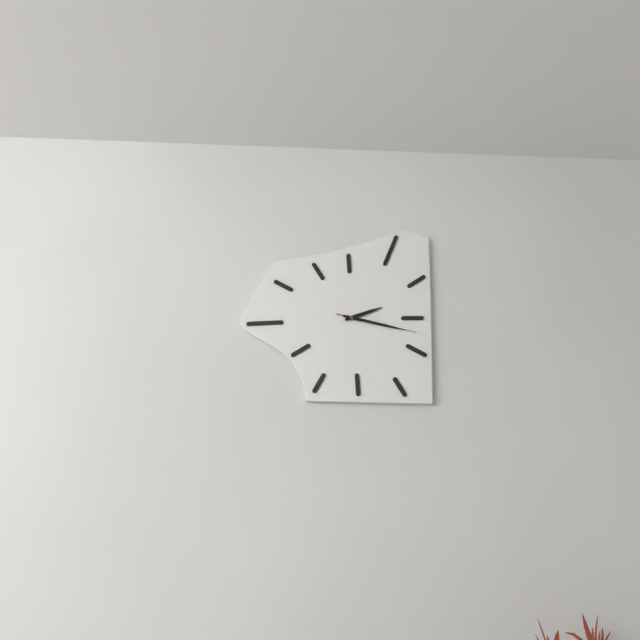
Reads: 2,17,17
